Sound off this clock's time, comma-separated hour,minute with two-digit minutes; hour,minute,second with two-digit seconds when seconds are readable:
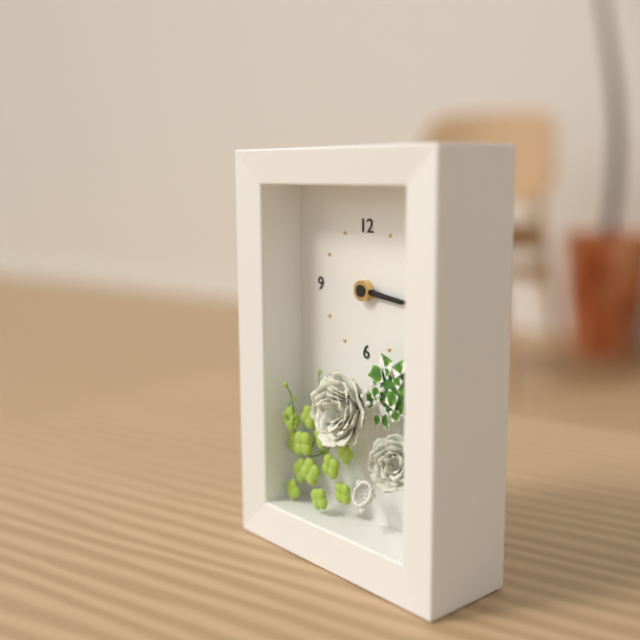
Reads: 3,16
